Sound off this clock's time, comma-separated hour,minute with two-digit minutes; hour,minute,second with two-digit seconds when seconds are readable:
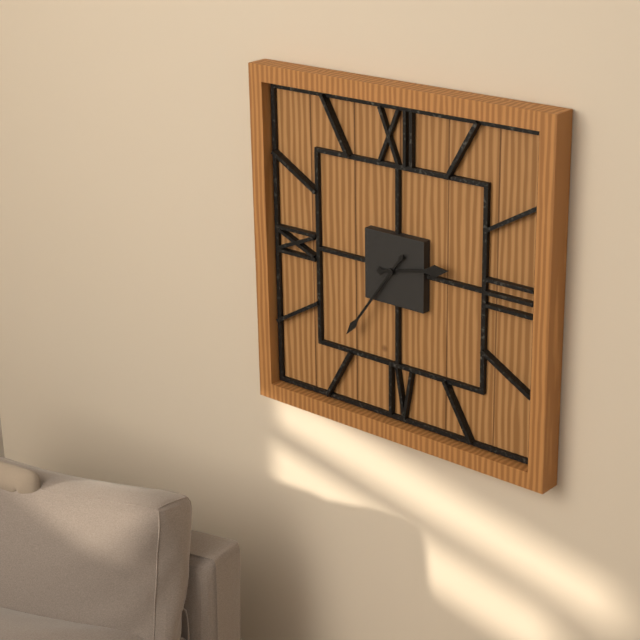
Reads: 2,36
